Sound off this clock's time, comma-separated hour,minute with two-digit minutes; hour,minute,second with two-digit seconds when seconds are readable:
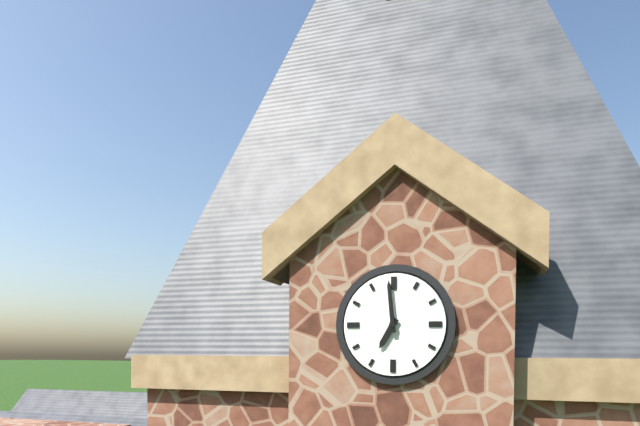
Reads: 6,59
